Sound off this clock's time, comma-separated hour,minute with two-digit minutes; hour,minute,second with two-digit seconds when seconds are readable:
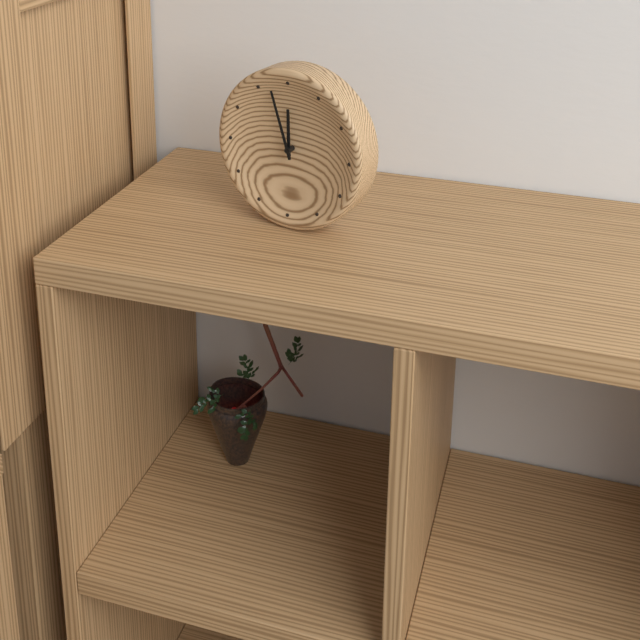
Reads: 11,57
